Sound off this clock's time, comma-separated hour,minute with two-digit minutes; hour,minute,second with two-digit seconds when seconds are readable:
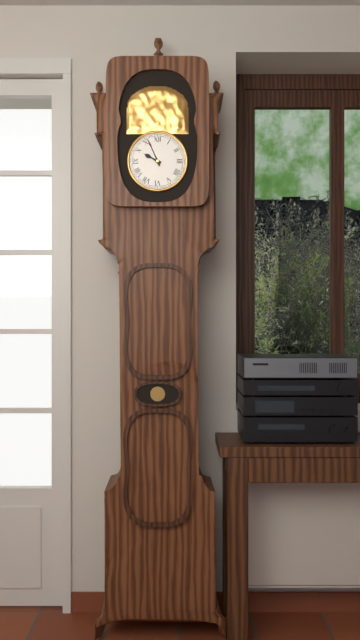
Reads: 9,56
